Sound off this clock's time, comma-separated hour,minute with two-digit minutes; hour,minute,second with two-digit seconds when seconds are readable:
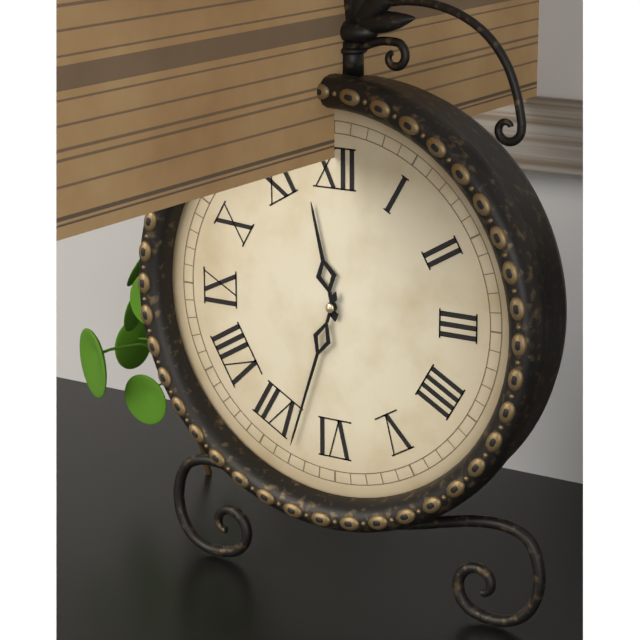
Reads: 11,33
